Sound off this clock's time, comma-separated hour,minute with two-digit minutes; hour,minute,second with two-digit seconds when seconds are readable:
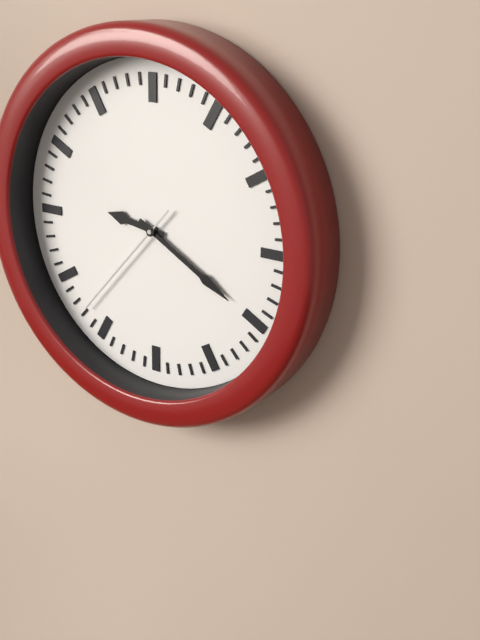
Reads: 9,20,37
